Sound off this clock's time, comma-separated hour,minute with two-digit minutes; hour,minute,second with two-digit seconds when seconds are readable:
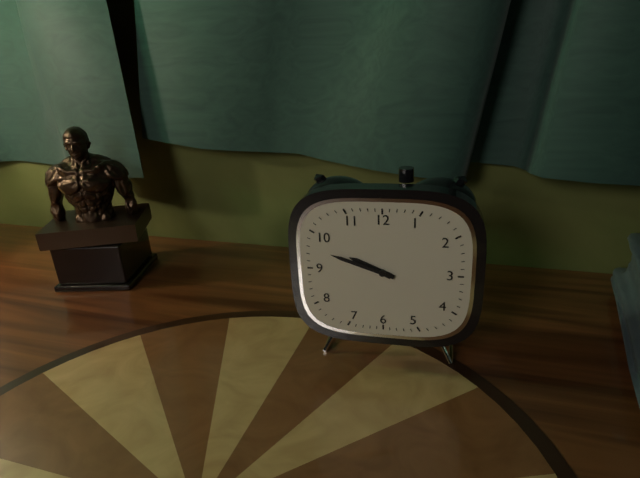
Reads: 9,48
